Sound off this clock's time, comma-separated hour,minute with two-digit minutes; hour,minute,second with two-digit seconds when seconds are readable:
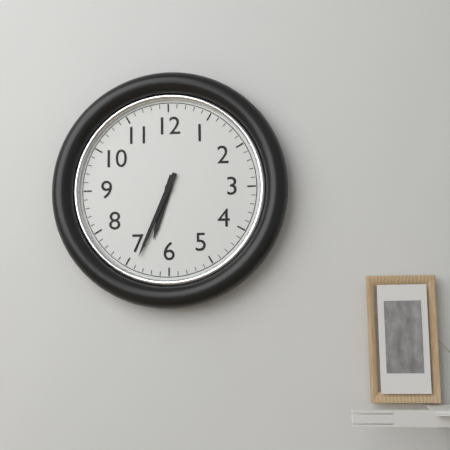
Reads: 6,34
